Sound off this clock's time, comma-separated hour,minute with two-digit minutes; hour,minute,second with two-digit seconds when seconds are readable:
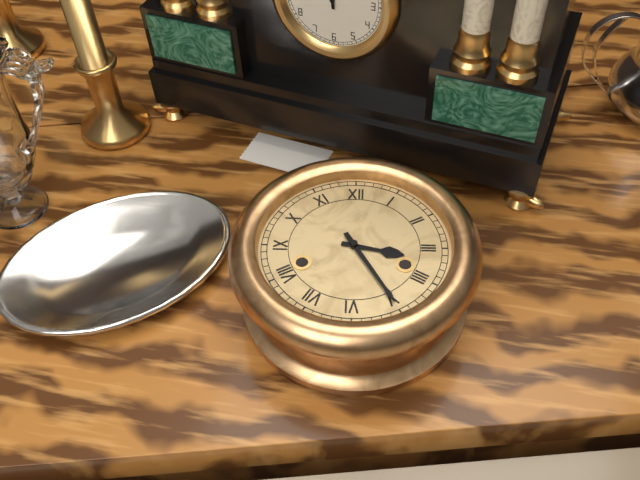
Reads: 3,25
